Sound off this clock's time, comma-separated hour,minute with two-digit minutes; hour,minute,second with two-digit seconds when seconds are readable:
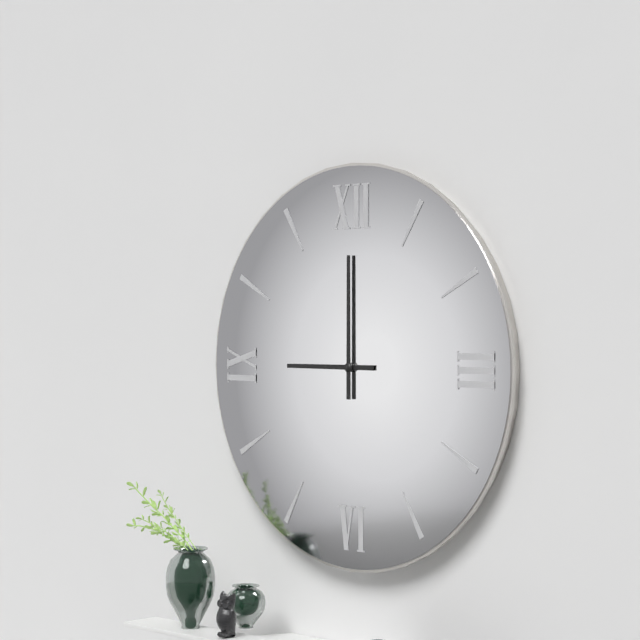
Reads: 9,00
